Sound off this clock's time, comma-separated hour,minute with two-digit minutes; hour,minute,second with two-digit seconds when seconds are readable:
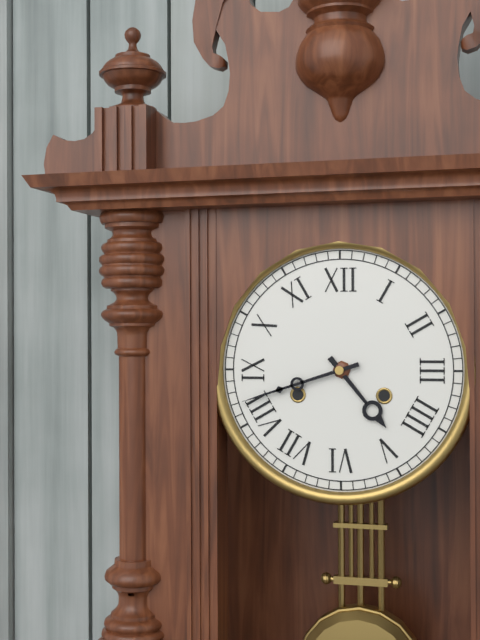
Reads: 4,42
